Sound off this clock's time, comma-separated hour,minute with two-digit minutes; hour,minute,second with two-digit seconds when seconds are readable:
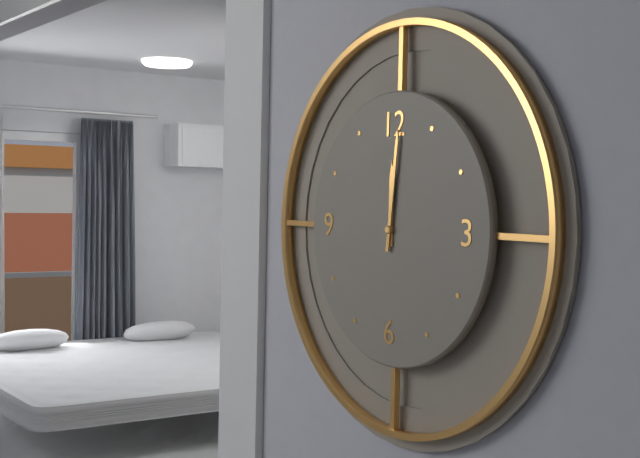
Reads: 12,01
